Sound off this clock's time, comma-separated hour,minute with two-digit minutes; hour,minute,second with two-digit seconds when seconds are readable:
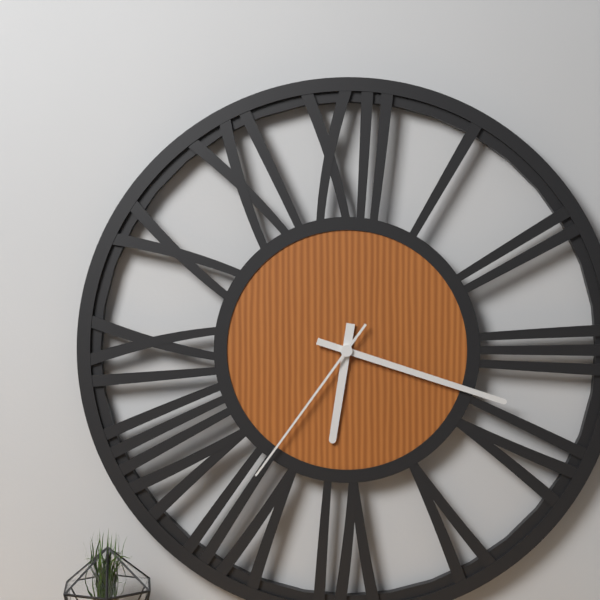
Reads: 6,18,36
